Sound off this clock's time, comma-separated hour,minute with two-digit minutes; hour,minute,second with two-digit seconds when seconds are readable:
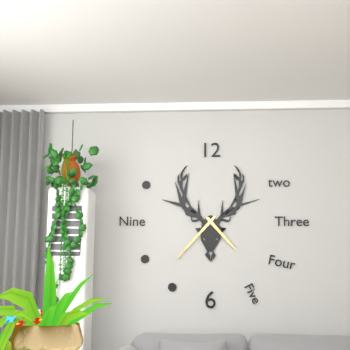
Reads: 4,37
